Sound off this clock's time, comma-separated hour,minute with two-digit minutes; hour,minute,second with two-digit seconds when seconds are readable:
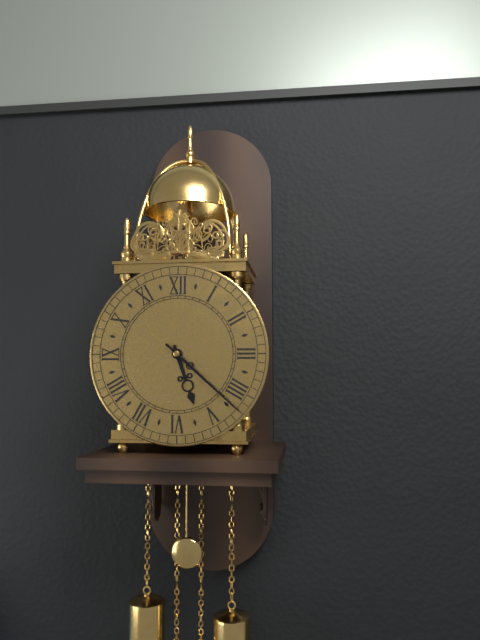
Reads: 5,22
